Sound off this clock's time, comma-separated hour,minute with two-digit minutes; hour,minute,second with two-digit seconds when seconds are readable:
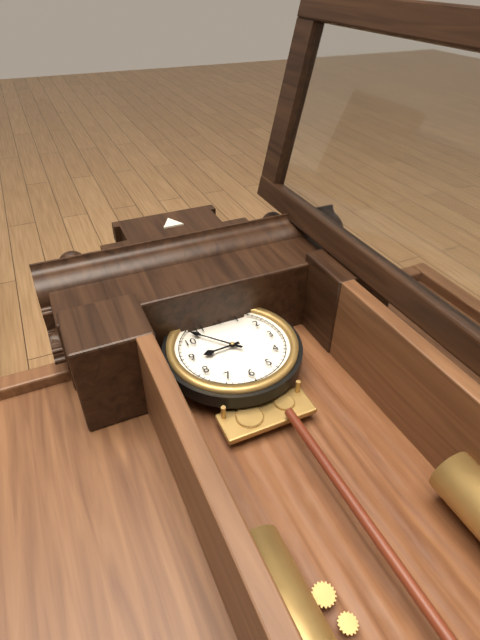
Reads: 8,53
